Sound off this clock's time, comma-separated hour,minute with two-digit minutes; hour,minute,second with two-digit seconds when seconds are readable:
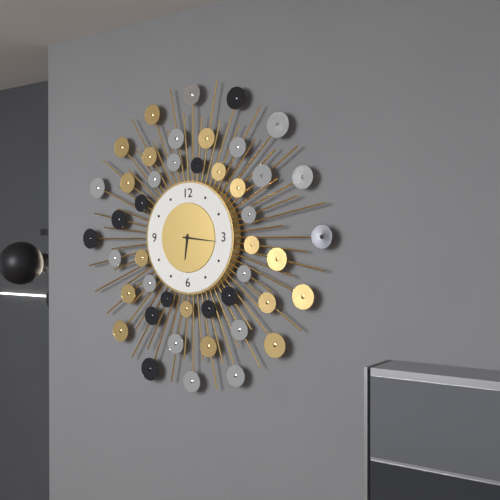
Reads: 6,16
